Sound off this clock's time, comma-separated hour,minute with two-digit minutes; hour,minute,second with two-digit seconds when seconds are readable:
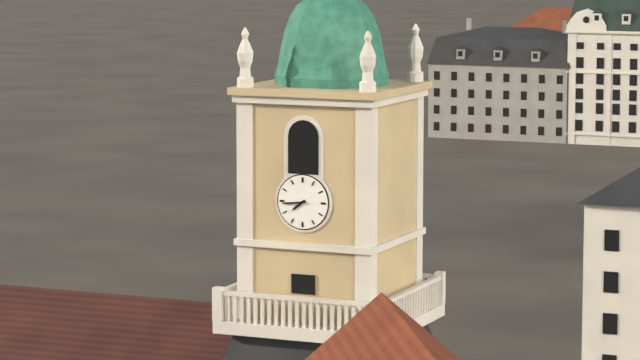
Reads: 7,44
